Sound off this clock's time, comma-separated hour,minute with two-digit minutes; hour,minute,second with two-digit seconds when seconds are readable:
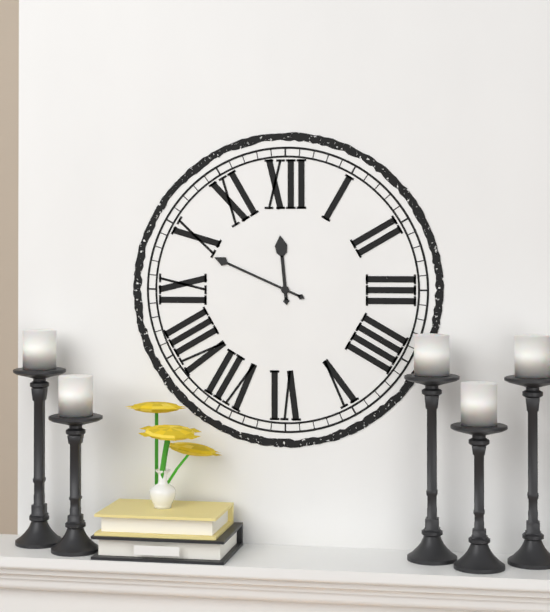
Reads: 11,49
